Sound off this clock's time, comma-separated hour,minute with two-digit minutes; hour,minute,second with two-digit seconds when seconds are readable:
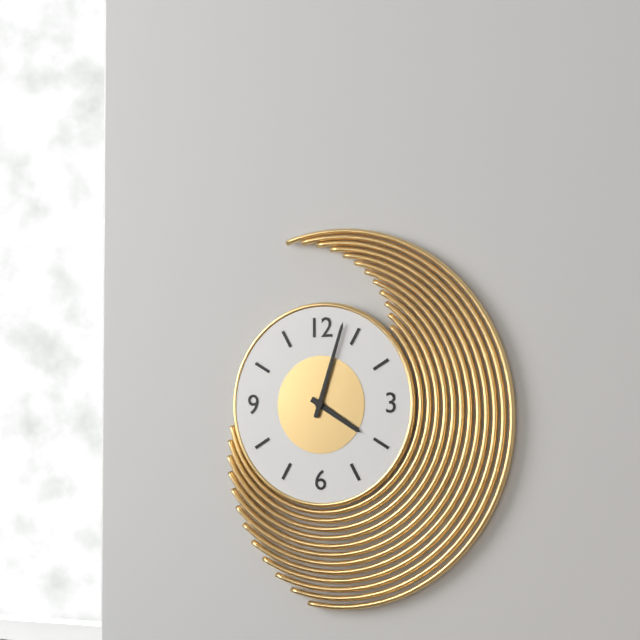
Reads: 4,03
